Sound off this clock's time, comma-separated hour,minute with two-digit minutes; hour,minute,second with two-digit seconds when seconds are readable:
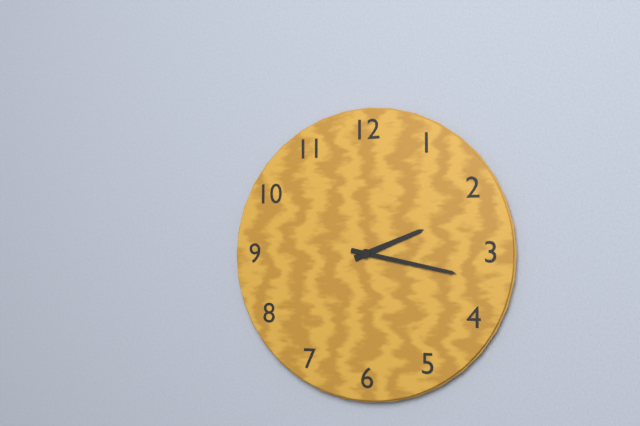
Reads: 2,17
